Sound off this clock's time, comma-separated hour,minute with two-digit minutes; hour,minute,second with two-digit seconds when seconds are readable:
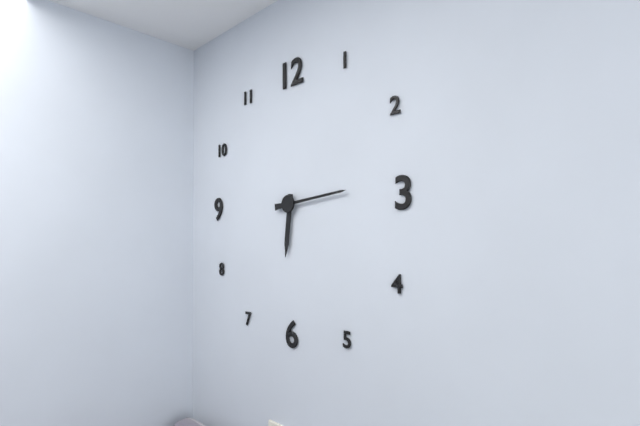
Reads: 6,14
